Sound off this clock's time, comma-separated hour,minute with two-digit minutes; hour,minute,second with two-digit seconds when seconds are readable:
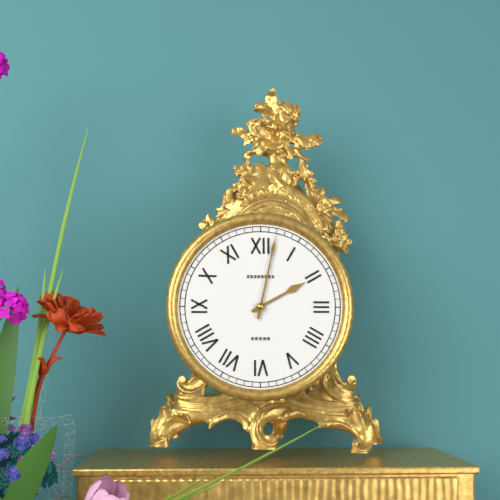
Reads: 2,02
